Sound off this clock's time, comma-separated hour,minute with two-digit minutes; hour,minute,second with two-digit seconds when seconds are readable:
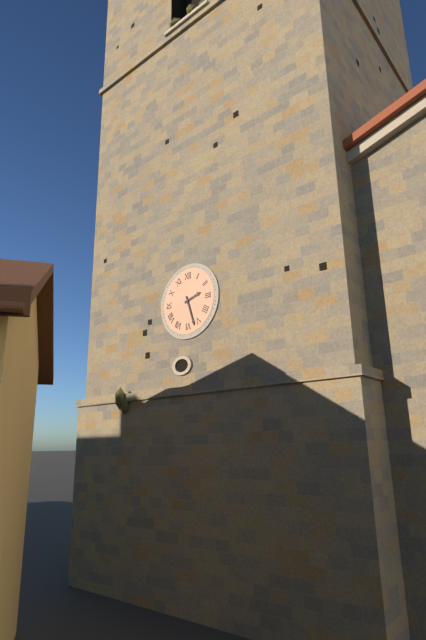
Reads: 2,27
